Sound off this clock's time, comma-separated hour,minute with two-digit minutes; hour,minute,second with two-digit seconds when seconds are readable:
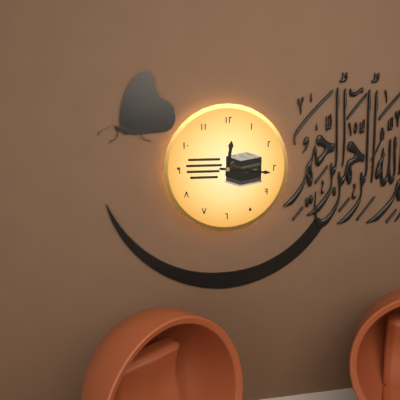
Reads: 12,16
